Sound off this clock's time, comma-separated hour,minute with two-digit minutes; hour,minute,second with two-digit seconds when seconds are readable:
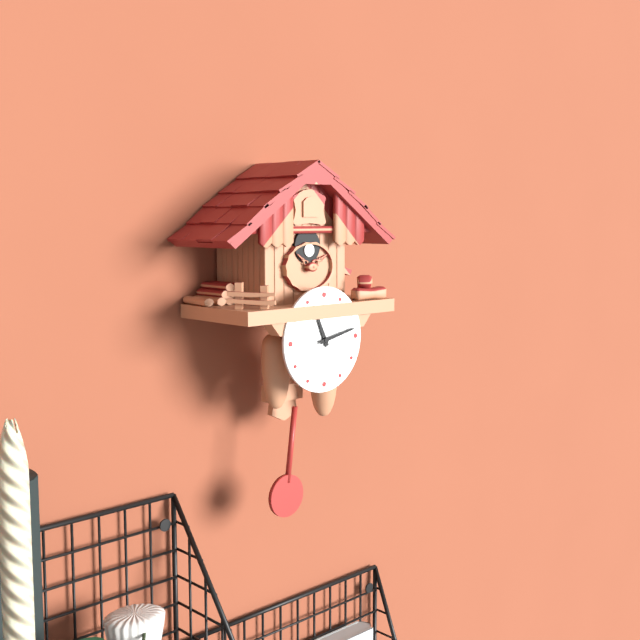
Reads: 11,13
